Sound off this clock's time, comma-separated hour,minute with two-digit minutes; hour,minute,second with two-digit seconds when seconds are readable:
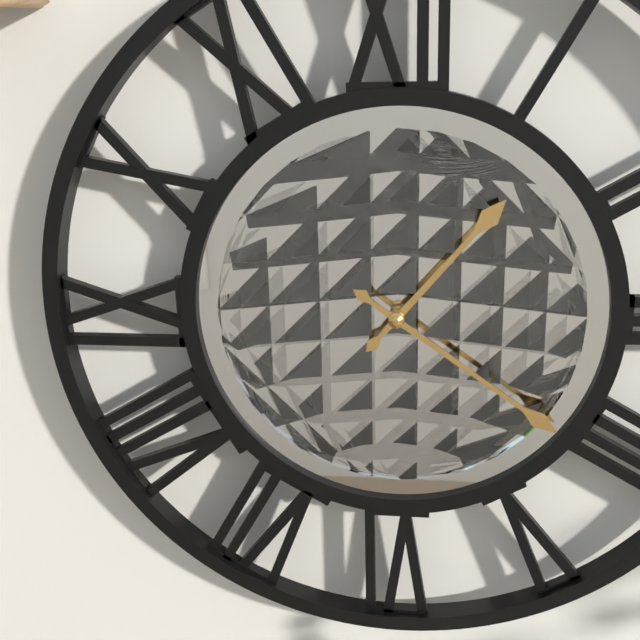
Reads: 1,21
